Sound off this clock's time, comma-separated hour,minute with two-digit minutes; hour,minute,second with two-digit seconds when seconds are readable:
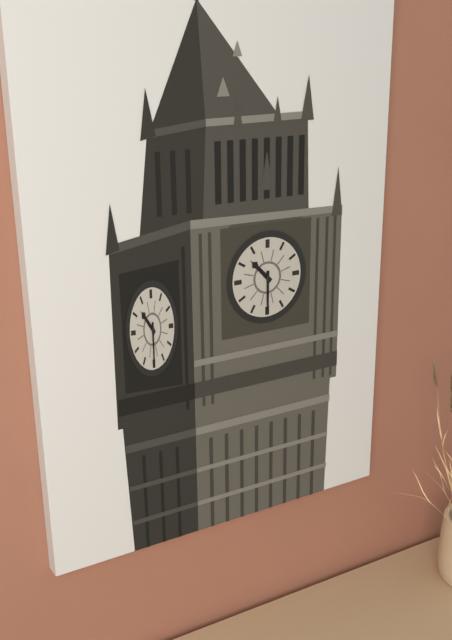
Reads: 10,30
